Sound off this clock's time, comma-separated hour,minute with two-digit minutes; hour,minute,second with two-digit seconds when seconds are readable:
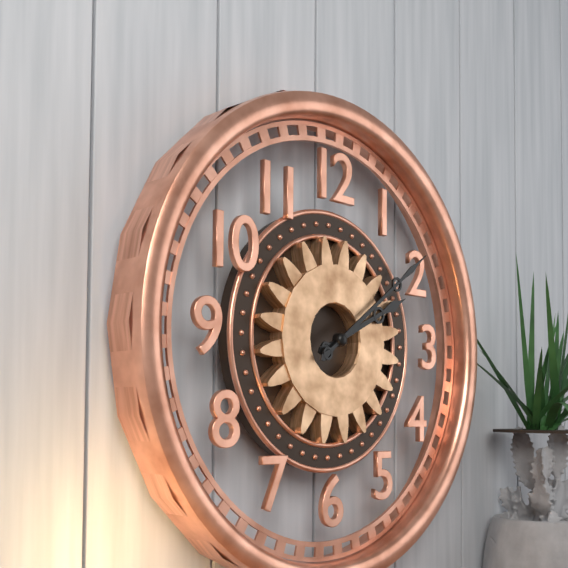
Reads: 2,09
